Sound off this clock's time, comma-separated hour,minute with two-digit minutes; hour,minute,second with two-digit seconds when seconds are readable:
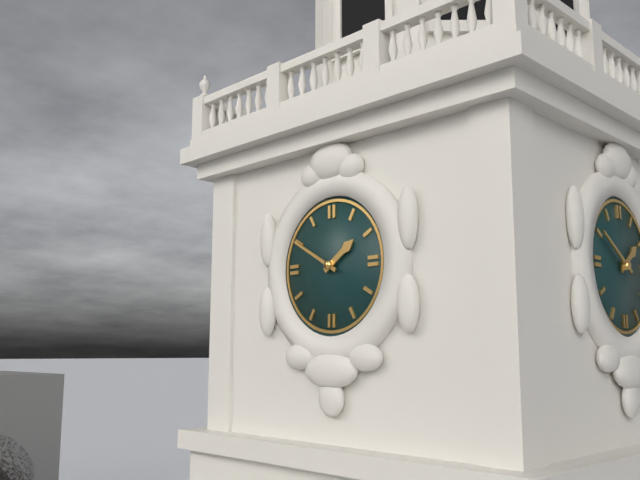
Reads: 1,50
